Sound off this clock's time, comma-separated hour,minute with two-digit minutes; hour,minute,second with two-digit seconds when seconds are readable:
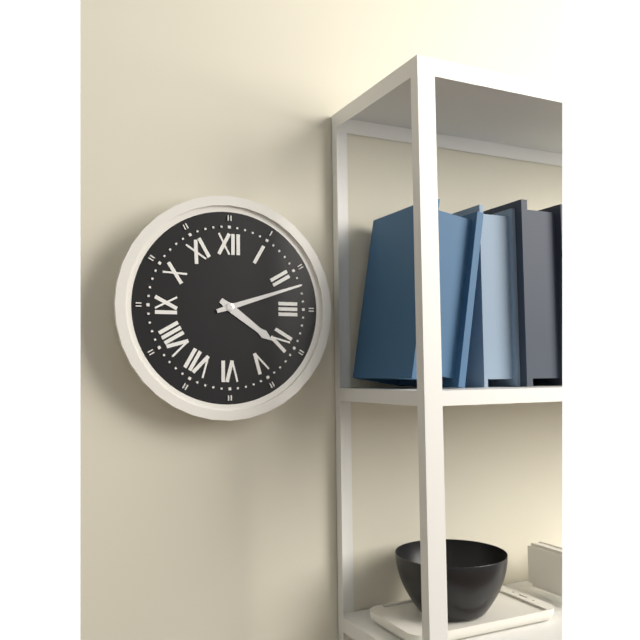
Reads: 4,12
